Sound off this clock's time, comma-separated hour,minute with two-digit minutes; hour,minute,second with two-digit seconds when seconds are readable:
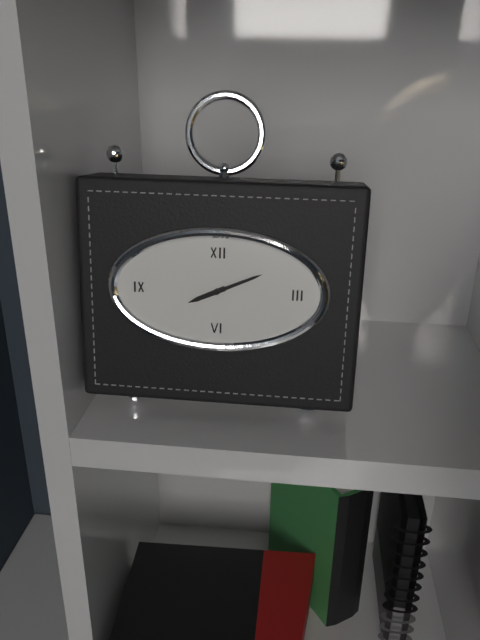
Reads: 8,11
